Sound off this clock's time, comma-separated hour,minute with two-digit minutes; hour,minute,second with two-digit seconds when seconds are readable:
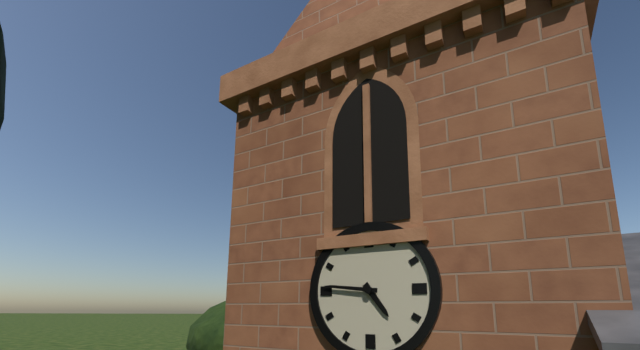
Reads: 4,46
